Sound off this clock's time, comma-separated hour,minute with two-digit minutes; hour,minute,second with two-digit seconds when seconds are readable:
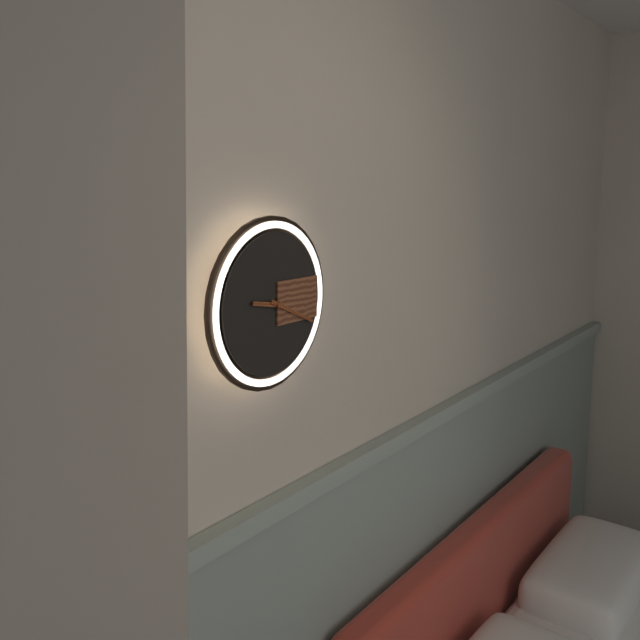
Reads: 9,19
